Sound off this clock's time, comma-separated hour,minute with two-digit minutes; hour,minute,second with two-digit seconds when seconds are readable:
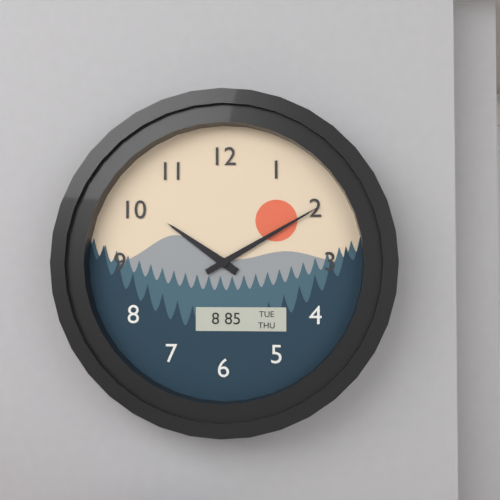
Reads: 10,10
